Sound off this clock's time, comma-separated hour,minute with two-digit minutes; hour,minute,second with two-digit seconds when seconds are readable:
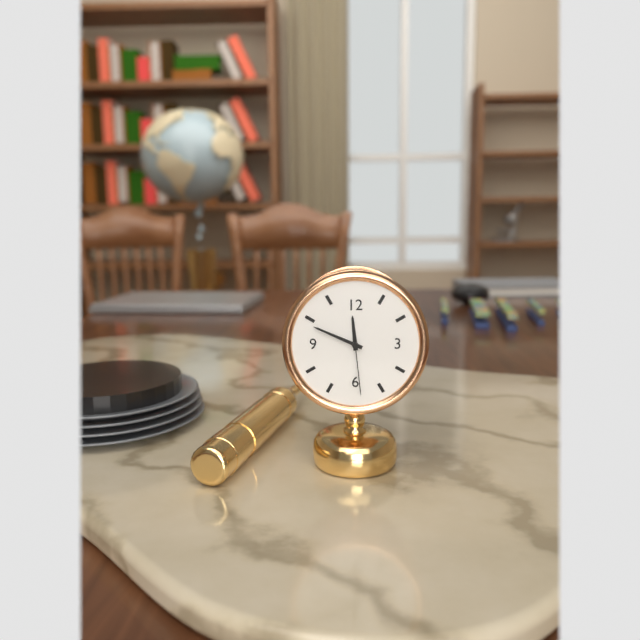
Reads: 11,49,29
